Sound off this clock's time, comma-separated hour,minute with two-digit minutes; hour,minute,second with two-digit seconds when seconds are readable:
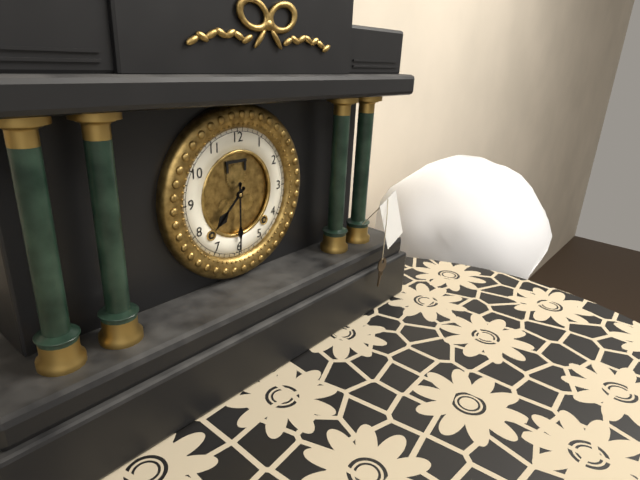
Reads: 7,30
